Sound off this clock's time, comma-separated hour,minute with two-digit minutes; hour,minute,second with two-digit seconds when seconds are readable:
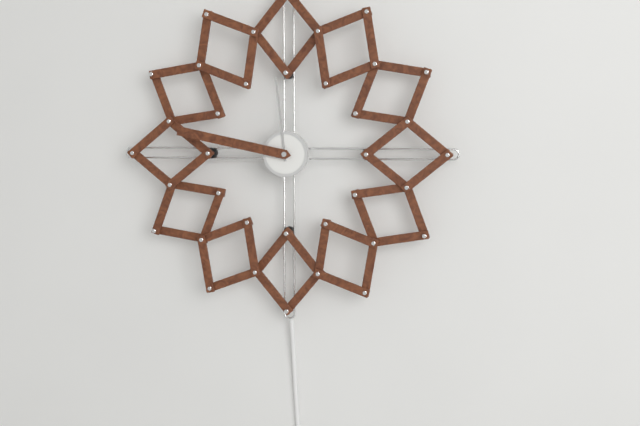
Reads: 11,47
